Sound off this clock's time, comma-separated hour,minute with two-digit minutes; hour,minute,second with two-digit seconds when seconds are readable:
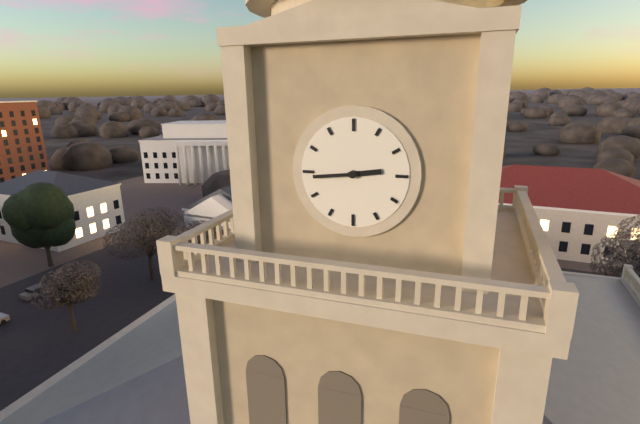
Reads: 2,44
